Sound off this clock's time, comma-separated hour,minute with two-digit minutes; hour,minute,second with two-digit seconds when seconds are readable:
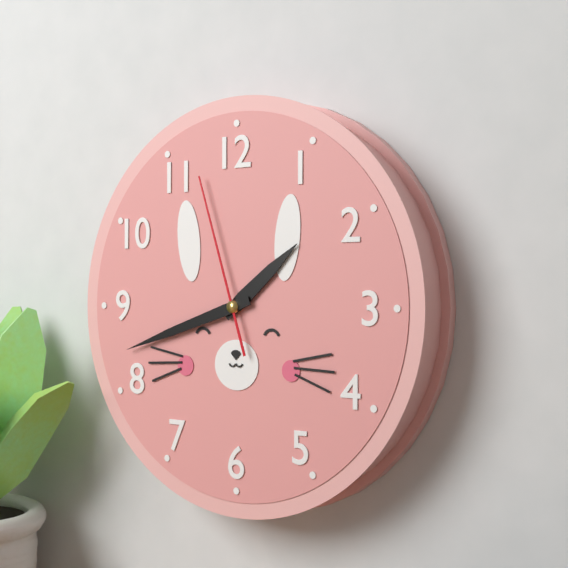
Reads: 1,42,57
